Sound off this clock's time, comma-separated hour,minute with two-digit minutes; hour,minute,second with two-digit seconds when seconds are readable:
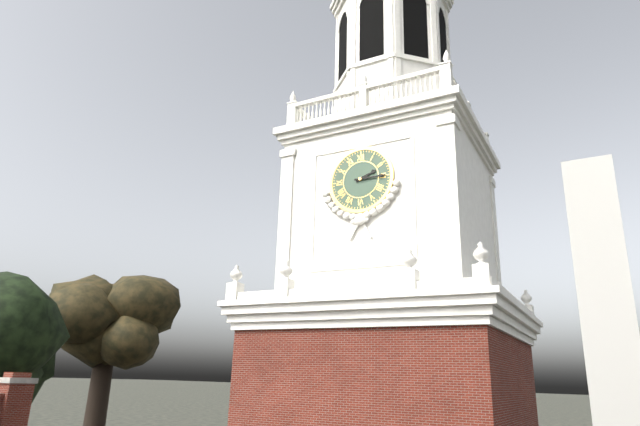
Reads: 2,15
